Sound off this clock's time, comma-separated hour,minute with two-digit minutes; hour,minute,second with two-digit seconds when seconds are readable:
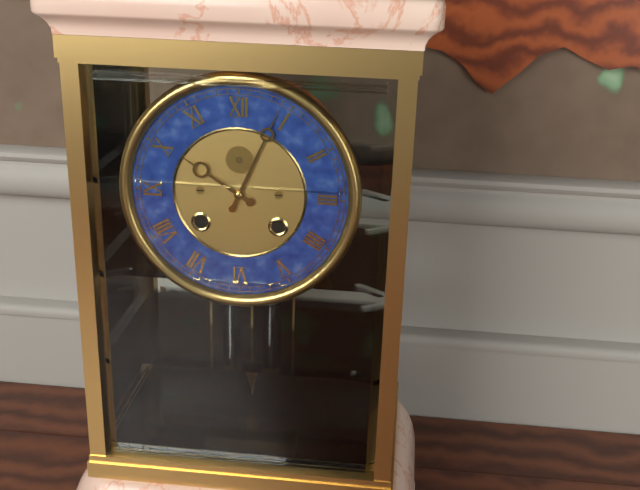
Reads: 10,04
